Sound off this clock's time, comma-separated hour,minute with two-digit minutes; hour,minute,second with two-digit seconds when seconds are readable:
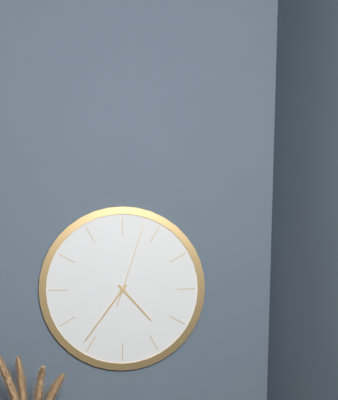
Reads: 4,36,03
